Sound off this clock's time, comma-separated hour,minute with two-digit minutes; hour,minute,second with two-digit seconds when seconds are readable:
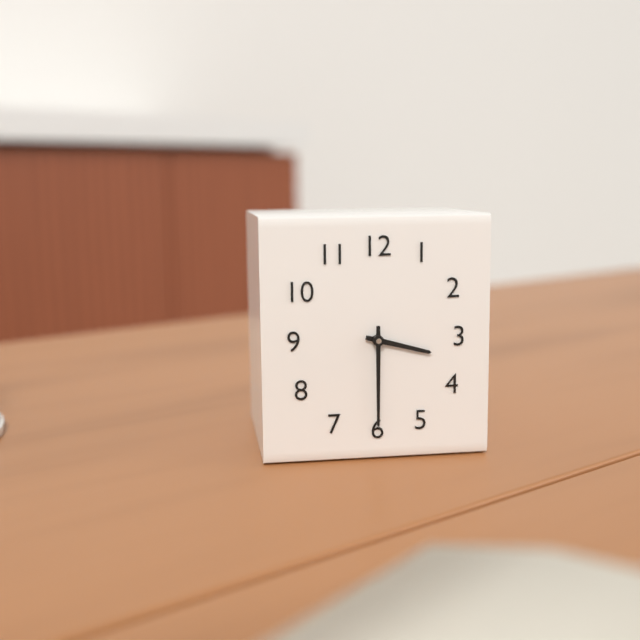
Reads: 3,30
